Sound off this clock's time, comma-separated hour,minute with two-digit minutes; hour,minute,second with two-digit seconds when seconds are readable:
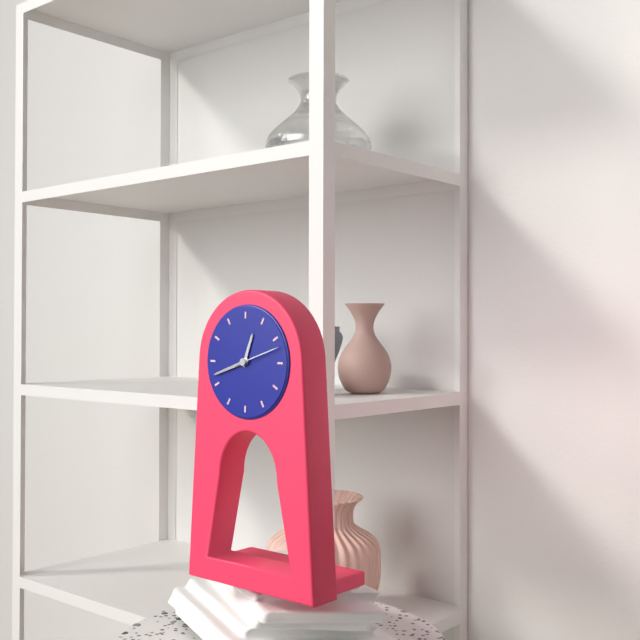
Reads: 12,42
